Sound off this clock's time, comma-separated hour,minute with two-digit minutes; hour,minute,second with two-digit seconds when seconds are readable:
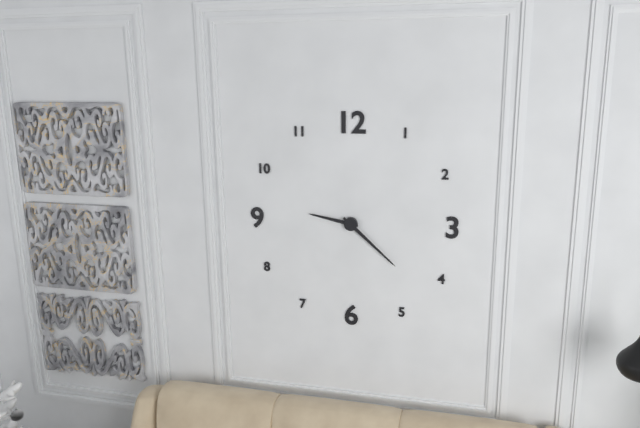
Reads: 9,22
